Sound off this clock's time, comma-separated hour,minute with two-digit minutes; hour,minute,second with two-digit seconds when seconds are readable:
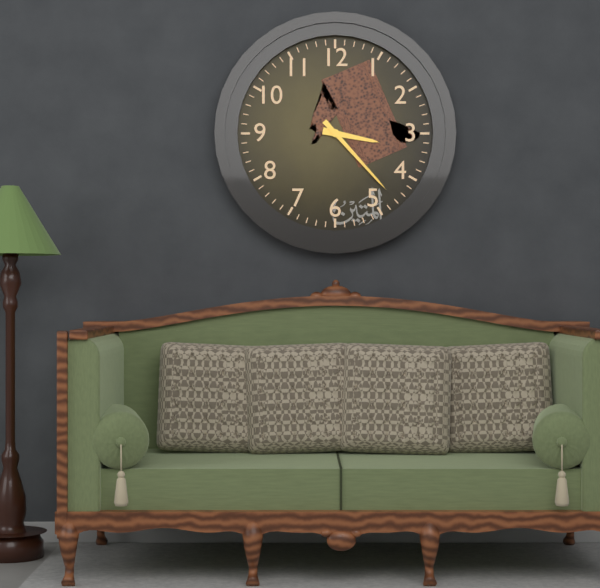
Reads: 3,23
